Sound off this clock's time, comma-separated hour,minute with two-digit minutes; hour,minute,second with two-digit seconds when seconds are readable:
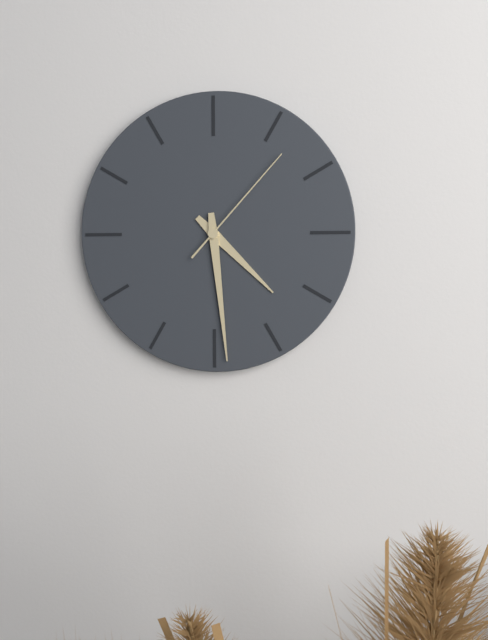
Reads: 4,29,07
